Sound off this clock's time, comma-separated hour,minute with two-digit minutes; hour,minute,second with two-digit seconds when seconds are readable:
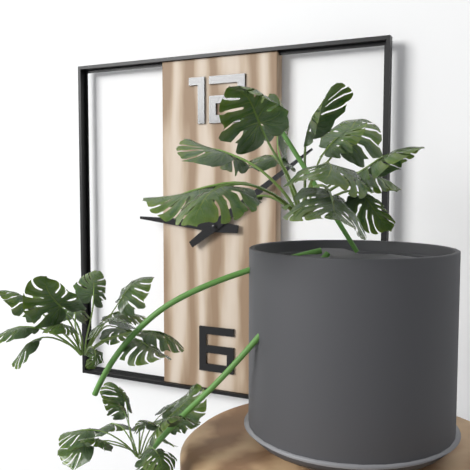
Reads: 9,09
